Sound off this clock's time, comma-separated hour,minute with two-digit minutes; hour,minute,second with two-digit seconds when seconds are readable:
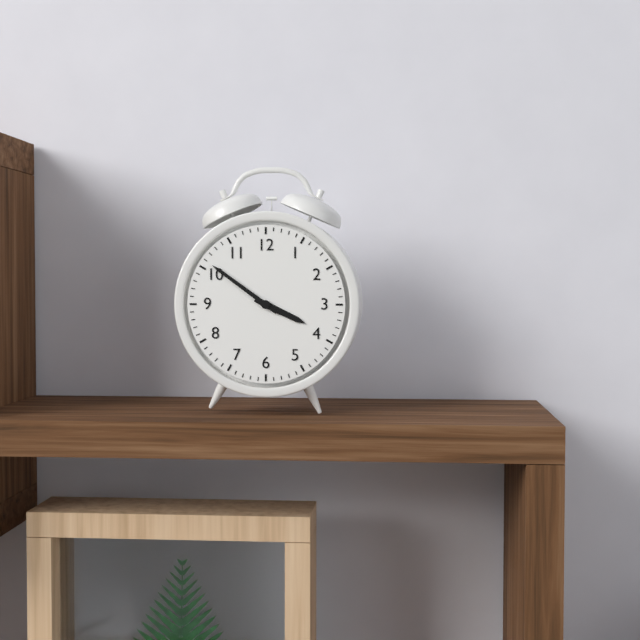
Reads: 3,51
